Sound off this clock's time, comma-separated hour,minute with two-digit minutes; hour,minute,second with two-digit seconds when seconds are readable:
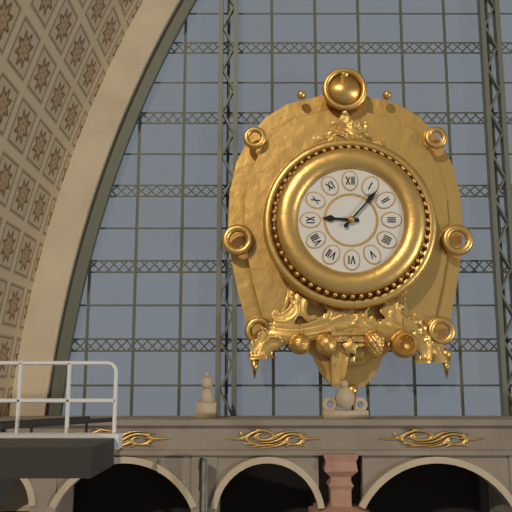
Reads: 9,07
